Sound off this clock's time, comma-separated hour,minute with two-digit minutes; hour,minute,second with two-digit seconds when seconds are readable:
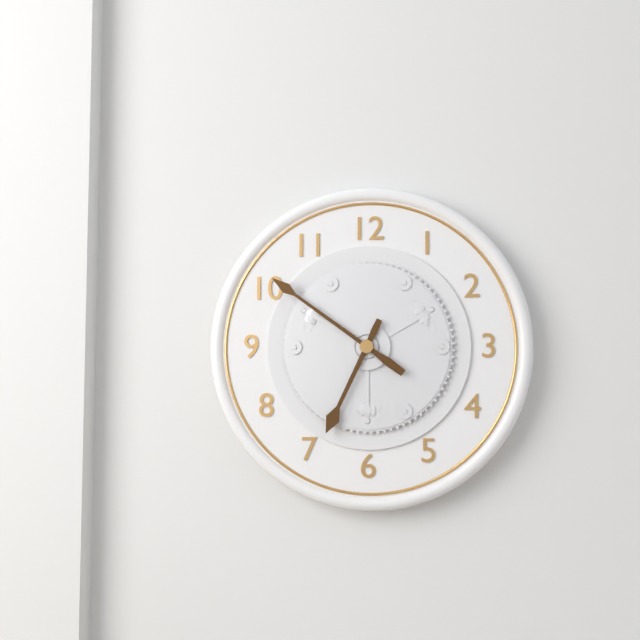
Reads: 6,51
